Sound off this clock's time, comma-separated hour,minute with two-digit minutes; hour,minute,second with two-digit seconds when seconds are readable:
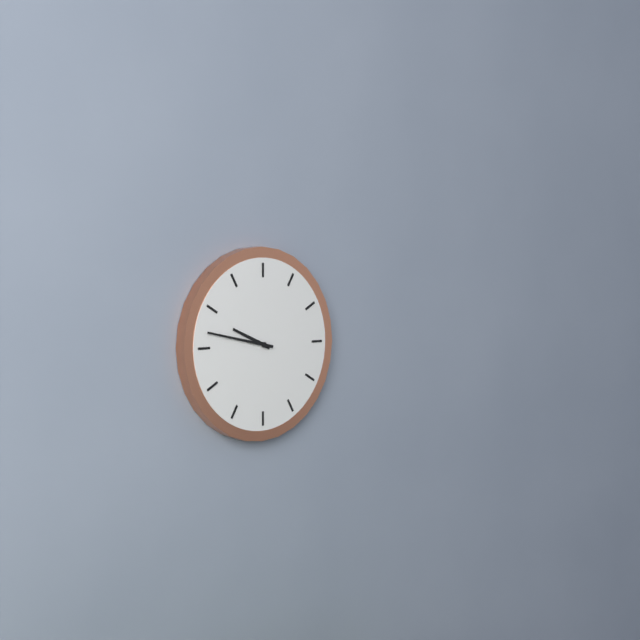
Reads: 9,47
